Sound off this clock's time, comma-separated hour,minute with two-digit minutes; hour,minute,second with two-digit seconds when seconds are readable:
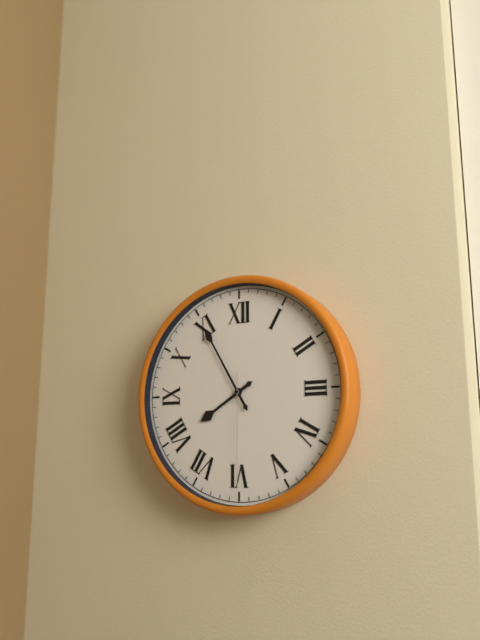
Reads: 7,55,30
